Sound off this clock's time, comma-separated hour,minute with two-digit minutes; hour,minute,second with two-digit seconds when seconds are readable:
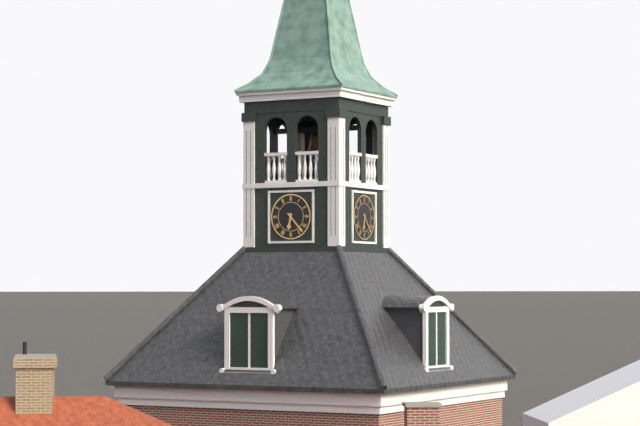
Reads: 6,23
